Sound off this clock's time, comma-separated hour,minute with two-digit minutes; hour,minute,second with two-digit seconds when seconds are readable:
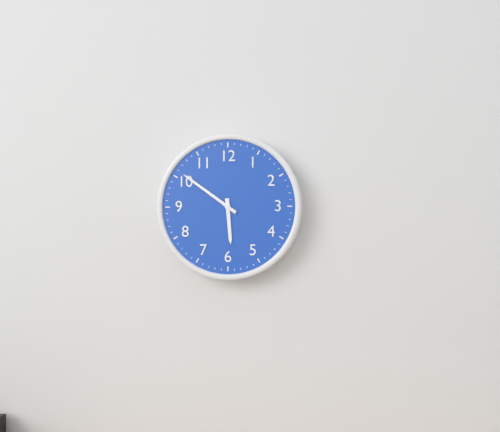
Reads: 5,51
